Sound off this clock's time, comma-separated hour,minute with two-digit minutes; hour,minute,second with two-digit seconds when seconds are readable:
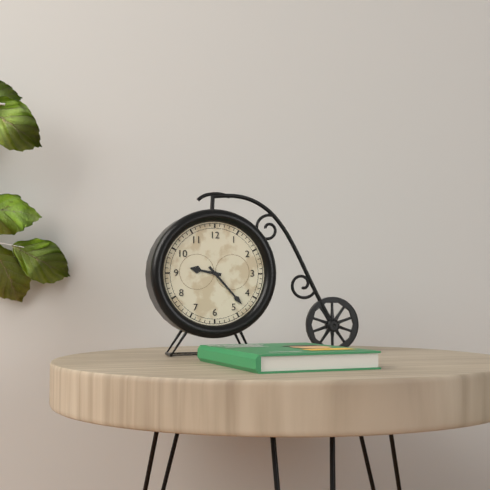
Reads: 9,23
